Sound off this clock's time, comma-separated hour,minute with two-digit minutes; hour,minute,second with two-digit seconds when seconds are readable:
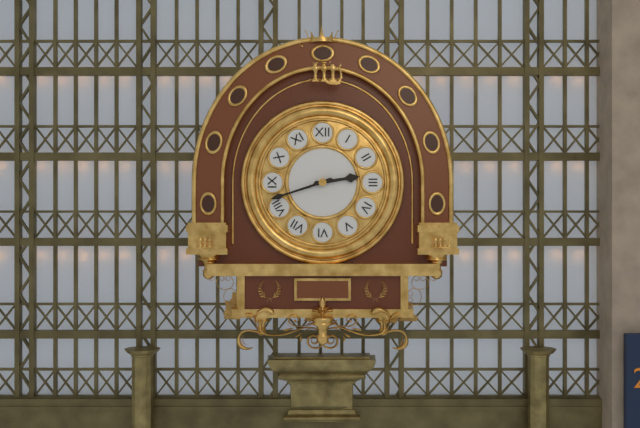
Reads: 2,42
